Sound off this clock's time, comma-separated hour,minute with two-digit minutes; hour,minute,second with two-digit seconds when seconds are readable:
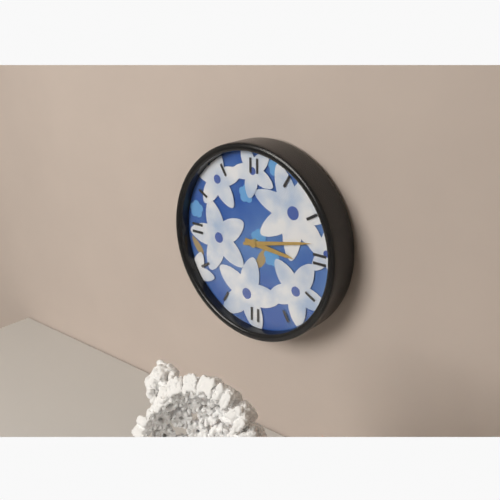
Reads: 3,13
